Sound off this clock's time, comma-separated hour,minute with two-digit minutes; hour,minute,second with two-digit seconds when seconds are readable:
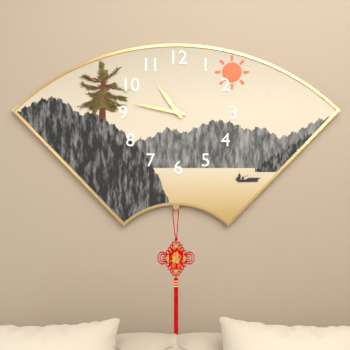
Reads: 10,47
